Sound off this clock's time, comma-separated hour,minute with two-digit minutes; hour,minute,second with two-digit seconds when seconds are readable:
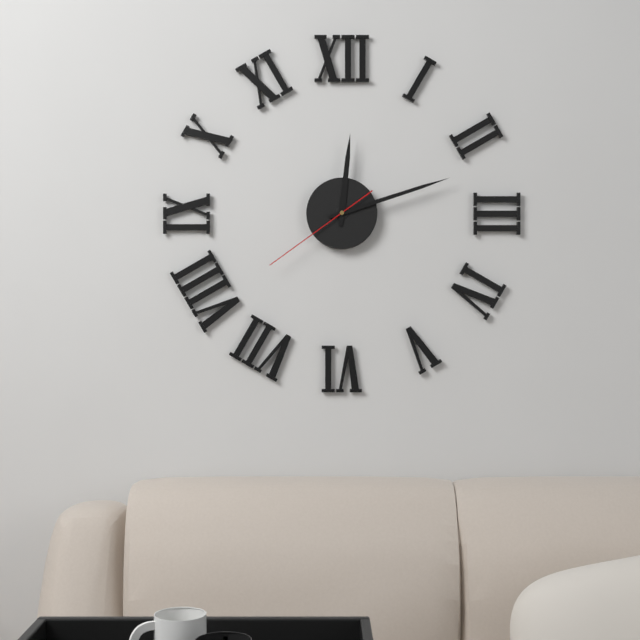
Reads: 12,12,39
